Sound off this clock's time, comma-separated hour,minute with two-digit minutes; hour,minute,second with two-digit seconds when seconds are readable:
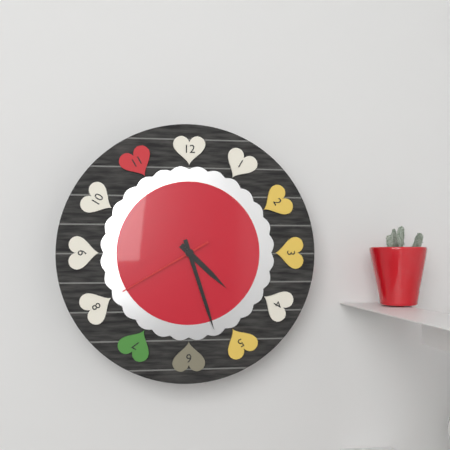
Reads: 4,27,40
